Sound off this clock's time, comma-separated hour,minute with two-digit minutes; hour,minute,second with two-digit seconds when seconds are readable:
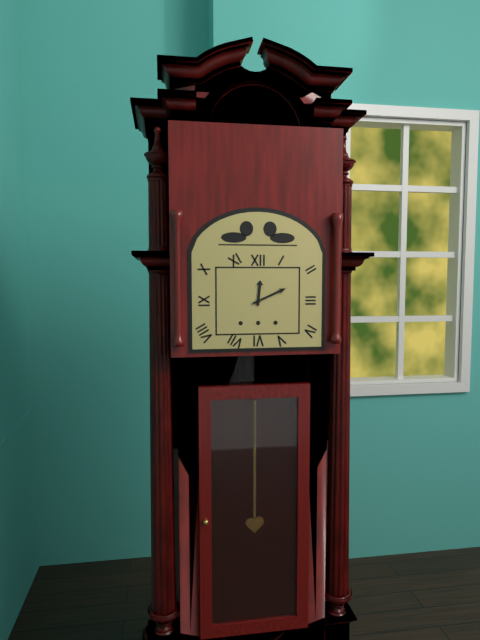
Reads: 12,11
